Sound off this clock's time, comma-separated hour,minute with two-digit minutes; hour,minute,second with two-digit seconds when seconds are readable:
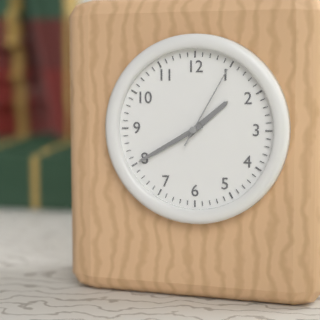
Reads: 1,40,05
